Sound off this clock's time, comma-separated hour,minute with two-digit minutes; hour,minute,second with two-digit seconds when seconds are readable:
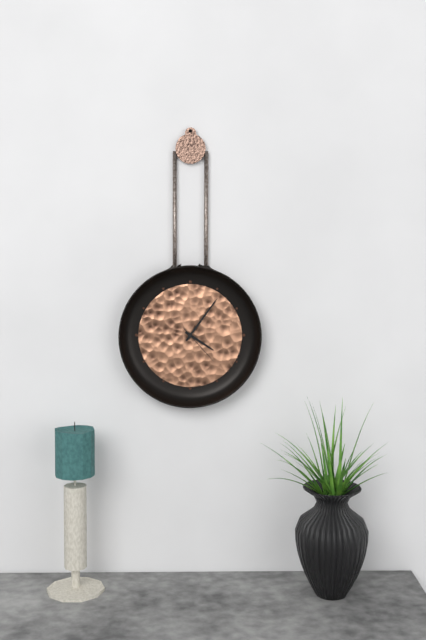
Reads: 4,06
